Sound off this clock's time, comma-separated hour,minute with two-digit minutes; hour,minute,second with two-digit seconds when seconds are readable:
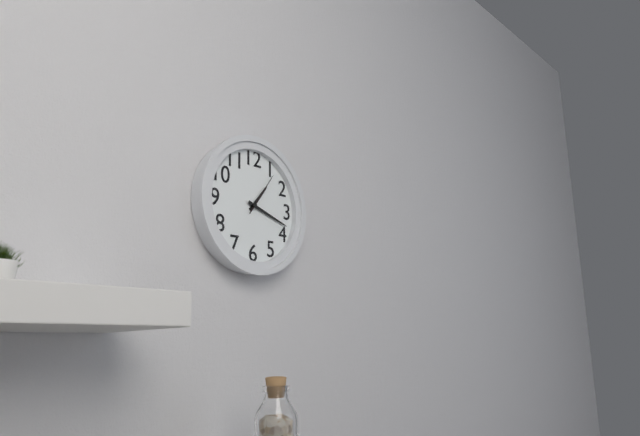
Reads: 1,18
